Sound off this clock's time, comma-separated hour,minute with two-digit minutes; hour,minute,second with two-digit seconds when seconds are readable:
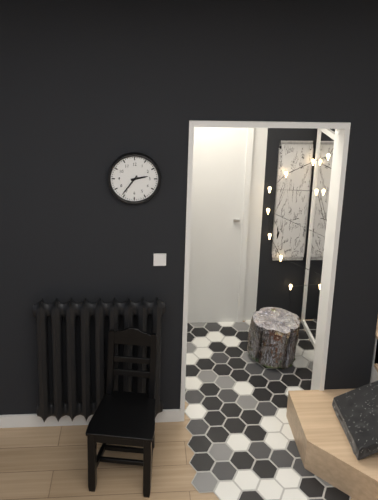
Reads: 2,36
